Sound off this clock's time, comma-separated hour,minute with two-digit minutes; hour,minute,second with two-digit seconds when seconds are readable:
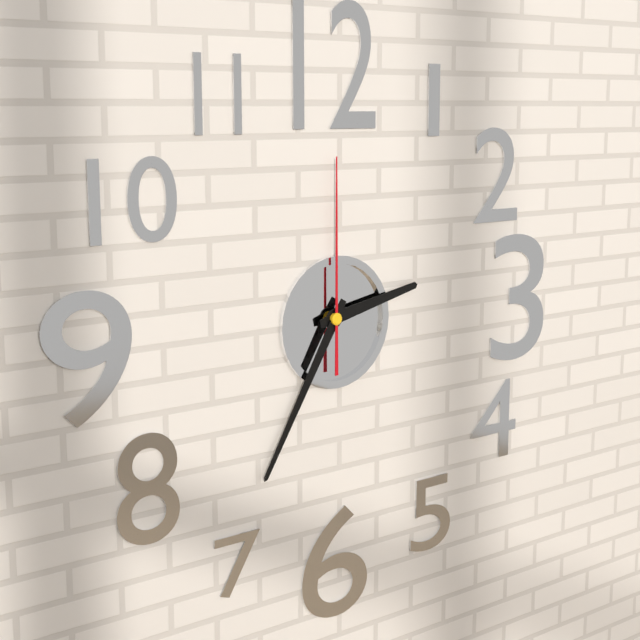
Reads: 2,35,00
